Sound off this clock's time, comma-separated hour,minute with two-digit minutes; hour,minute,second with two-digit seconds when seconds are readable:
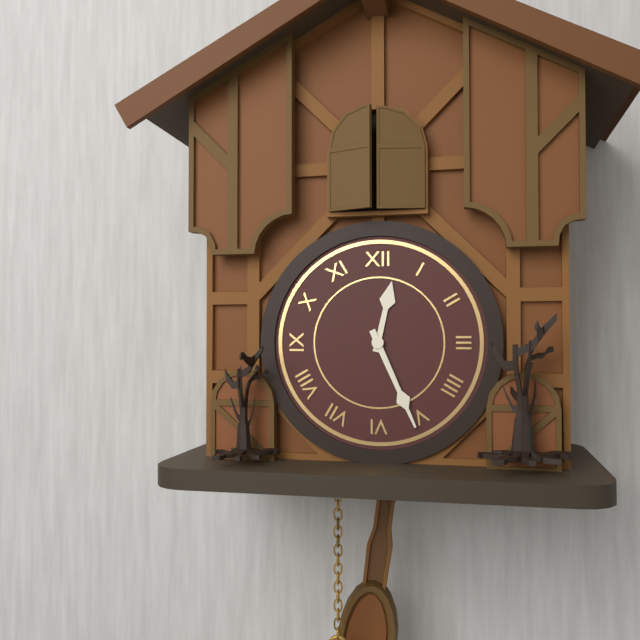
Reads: 12,26
